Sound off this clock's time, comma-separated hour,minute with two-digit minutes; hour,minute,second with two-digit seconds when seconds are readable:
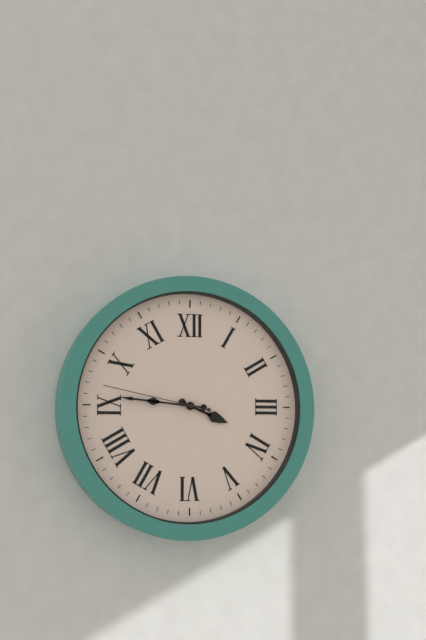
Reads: 3,46,47
